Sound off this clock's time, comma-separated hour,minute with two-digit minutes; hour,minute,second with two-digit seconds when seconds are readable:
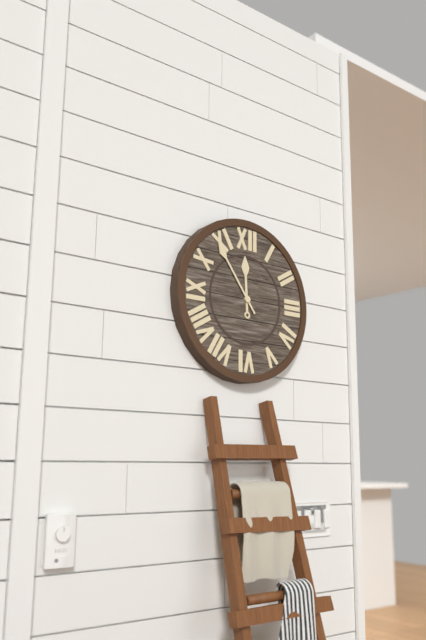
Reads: 11,54
